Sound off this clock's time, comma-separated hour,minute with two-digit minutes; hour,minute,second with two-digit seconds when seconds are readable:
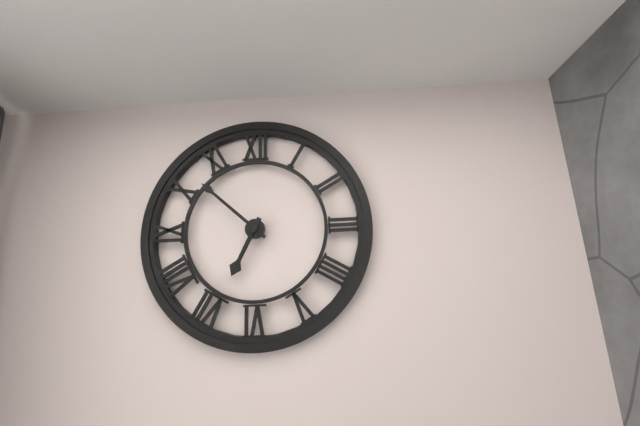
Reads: 6,52
